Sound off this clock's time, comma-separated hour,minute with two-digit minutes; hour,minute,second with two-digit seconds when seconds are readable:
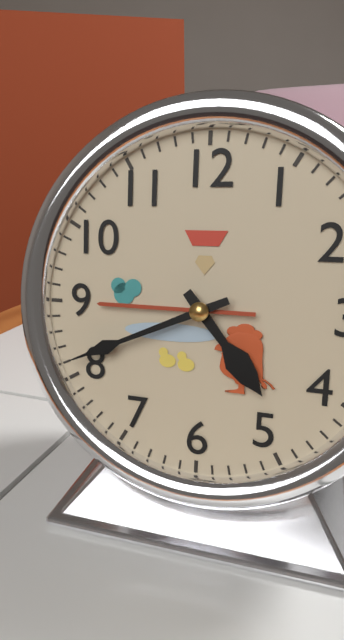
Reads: 4,41
